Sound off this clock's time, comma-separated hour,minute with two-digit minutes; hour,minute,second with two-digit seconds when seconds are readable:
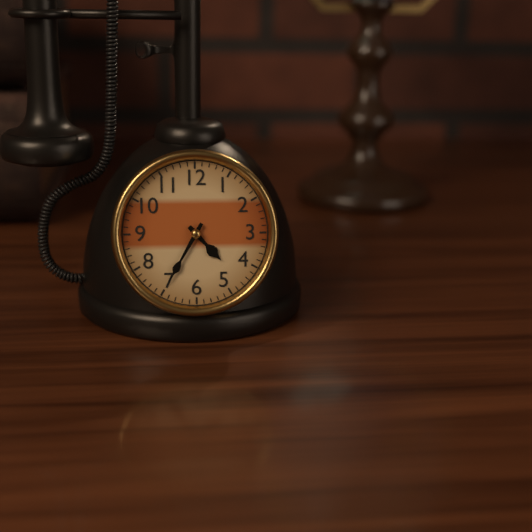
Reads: 4,35
